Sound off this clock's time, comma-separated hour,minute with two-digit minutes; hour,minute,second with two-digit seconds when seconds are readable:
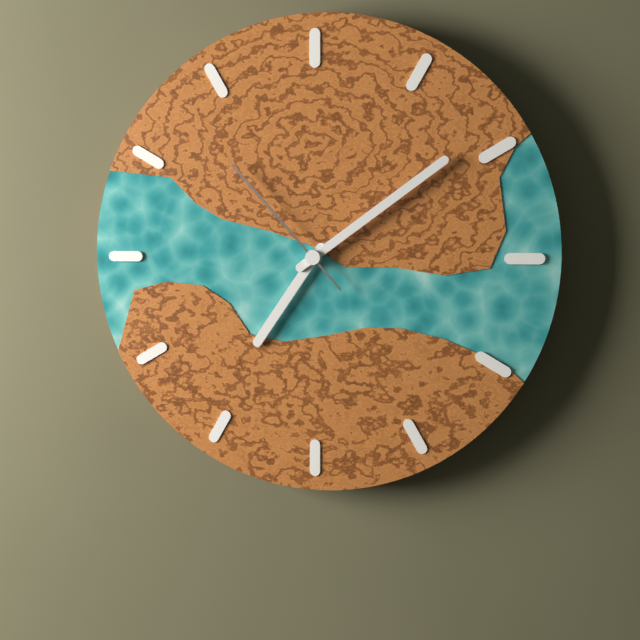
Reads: 7,09,53
